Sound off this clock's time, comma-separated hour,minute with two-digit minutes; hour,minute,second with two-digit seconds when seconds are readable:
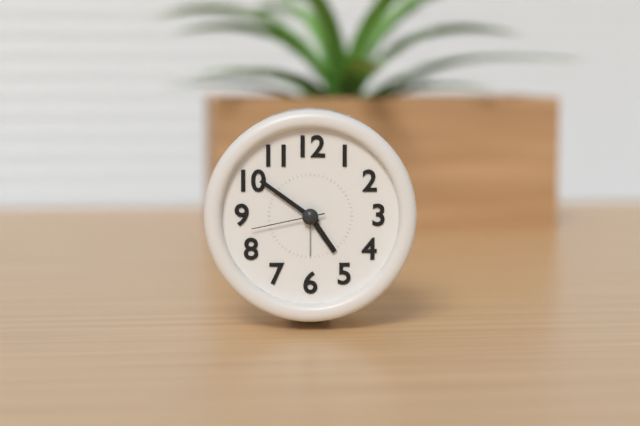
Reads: 4,51,43
